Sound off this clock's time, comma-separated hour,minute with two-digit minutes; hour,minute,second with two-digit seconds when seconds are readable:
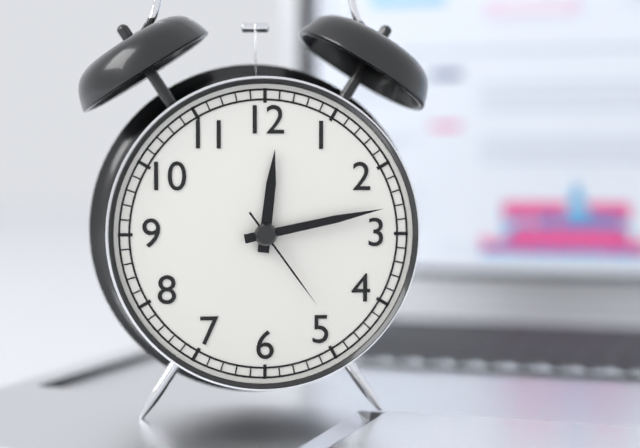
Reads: 12,13,24
